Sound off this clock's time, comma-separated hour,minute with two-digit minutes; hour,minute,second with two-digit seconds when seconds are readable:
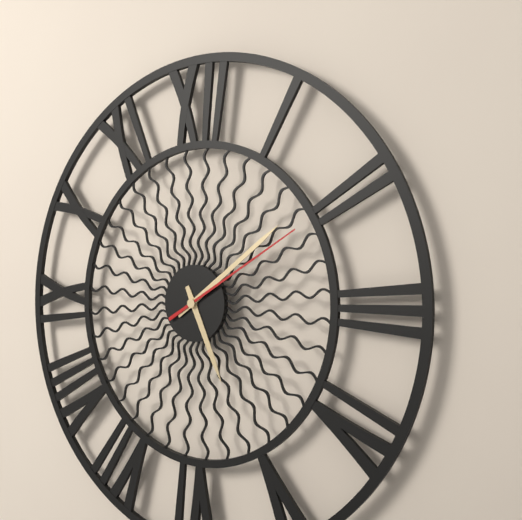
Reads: 5,09,10
